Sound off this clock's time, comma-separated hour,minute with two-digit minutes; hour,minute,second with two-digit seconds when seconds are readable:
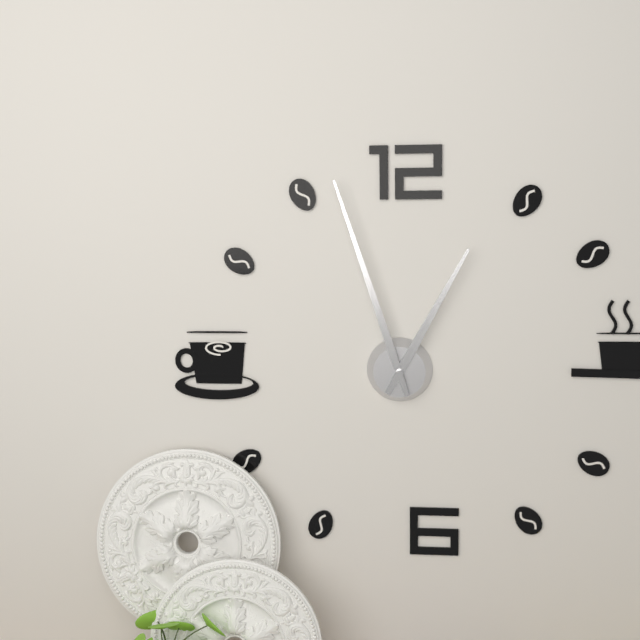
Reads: 12,57
